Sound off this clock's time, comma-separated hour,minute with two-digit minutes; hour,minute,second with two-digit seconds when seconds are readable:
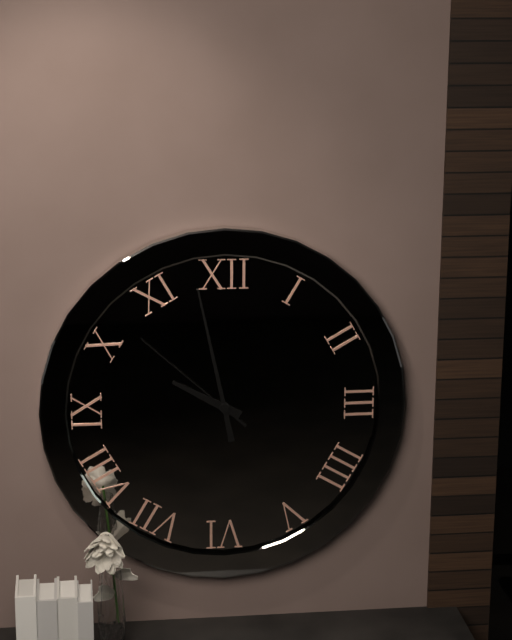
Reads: 9,58,52
